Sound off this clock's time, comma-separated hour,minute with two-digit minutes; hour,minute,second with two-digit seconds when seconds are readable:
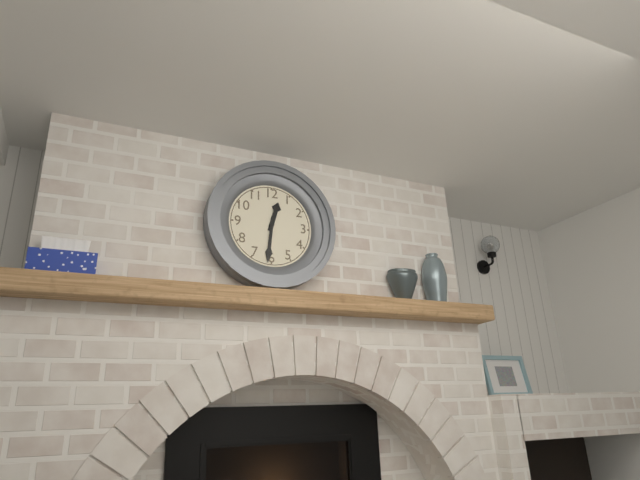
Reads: 12,31
